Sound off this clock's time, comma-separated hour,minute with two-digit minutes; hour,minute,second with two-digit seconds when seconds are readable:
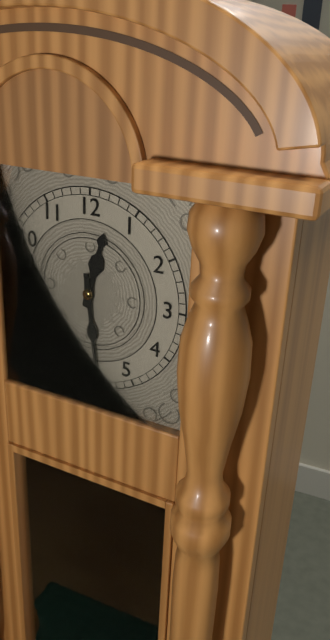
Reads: 12,29
